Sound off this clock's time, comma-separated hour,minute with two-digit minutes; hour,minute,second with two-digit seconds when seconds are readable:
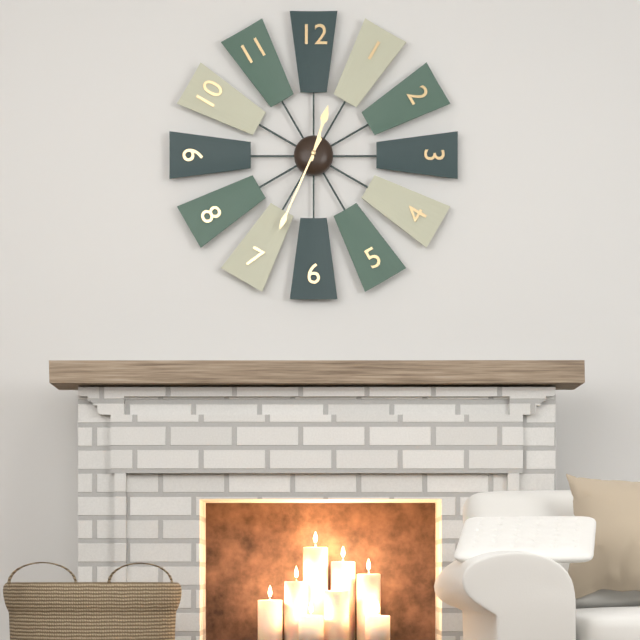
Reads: 12,34
